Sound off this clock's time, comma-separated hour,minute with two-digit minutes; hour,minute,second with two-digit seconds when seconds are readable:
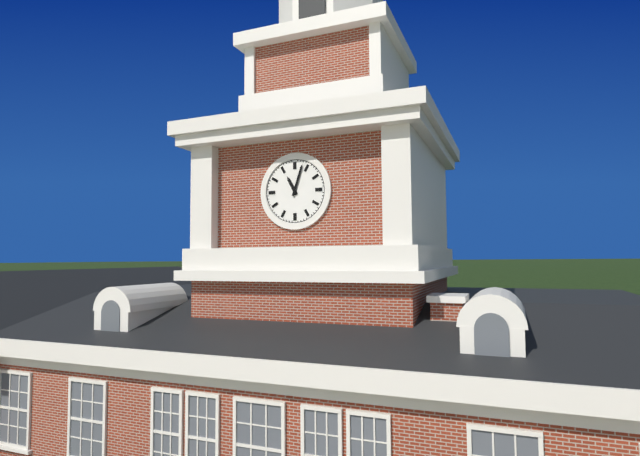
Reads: 11,03
